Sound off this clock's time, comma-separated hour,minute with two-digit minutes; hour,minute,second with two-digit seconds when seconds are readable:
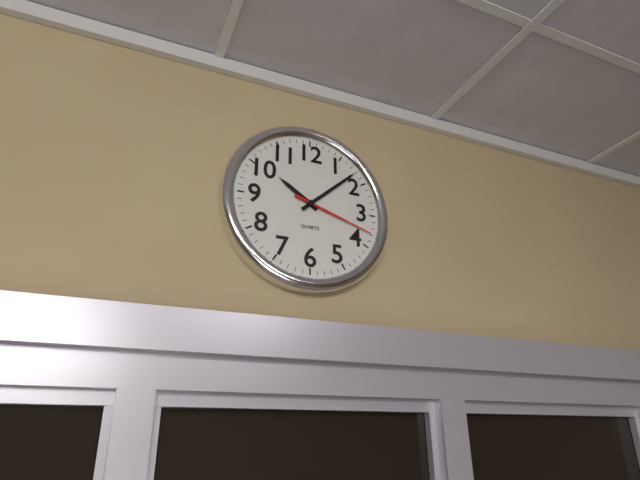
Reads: 10,08,18
